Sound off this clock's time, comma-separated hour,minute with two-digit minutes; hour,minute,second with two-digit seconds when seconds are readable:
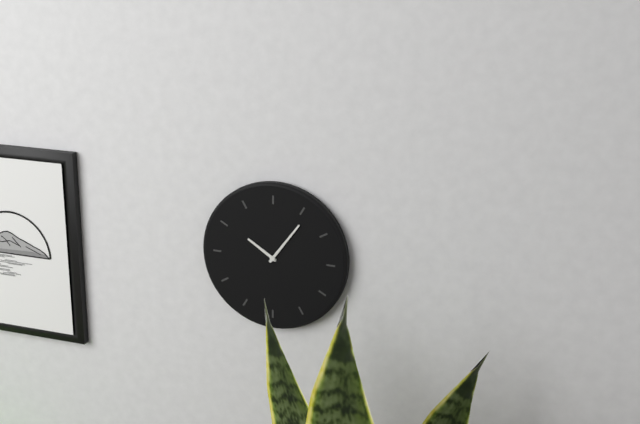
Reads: 10,06
